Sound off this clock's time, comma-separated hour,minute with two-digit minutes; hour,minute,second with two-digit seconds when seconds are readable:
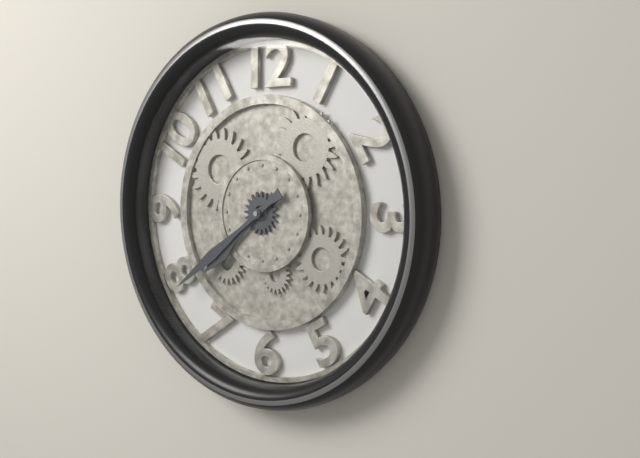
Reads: 7,39
